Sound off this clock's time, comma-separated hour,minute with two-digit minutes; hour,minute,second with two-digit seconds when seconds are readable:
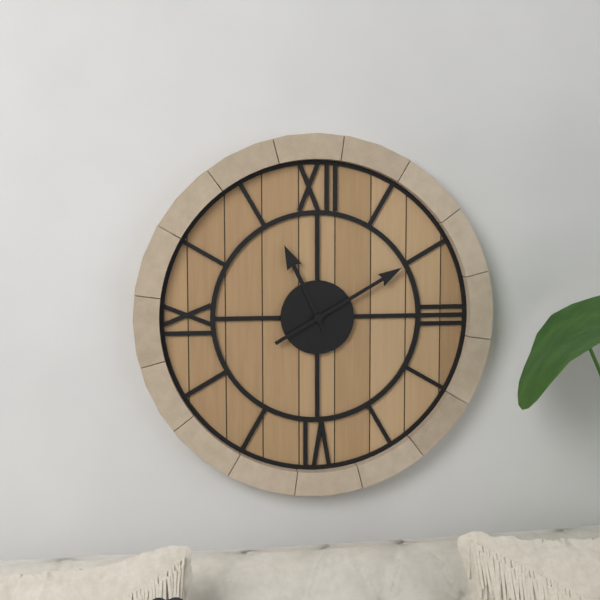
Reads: 11,10
